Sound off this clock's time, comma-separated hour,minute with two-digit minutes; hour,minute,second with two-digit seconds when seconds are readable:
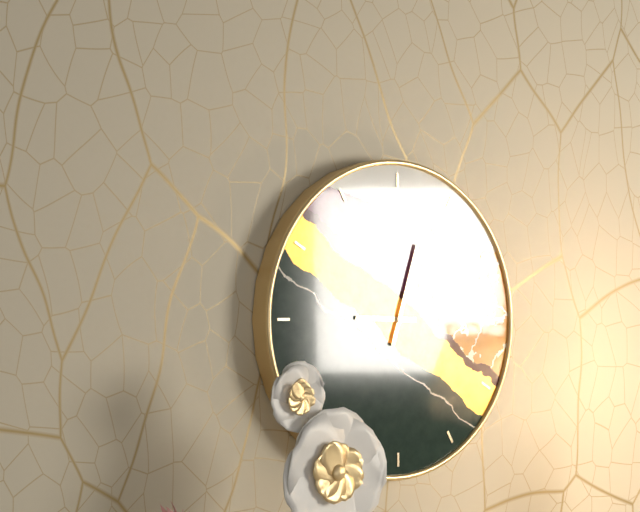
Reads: 9,03
